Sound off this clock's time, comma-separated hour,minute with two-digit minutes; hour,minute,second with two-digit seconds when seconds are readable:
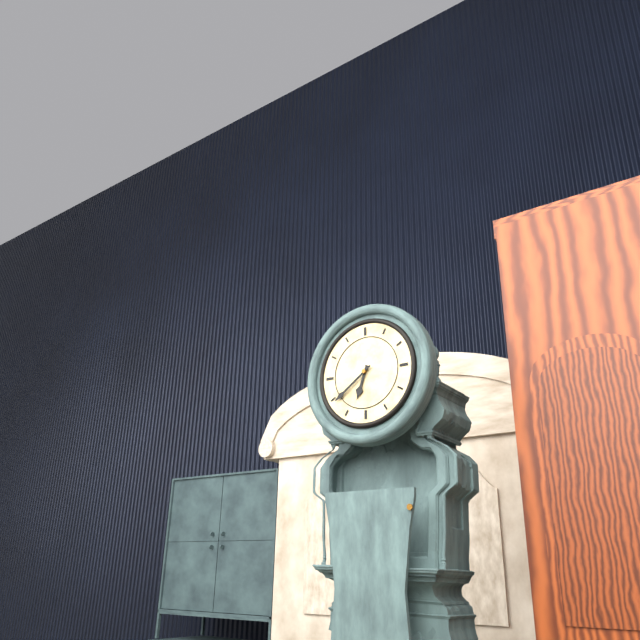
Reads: 6,39
